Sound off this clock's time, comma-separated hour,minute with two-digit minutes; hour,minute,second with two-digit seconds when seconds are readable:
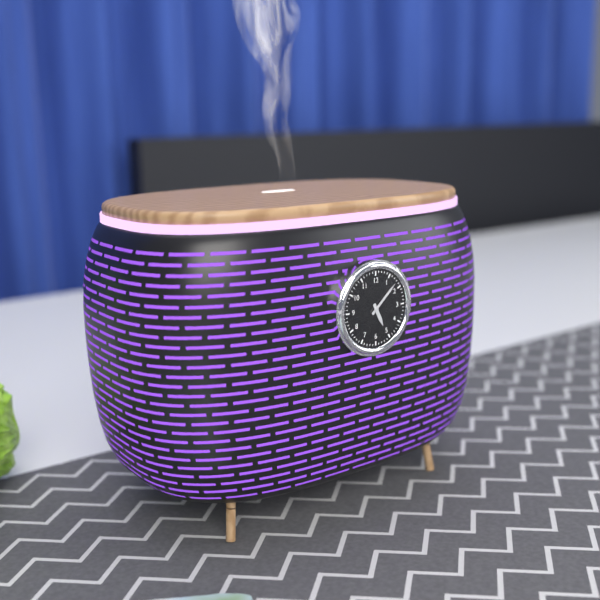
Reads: 5,08
